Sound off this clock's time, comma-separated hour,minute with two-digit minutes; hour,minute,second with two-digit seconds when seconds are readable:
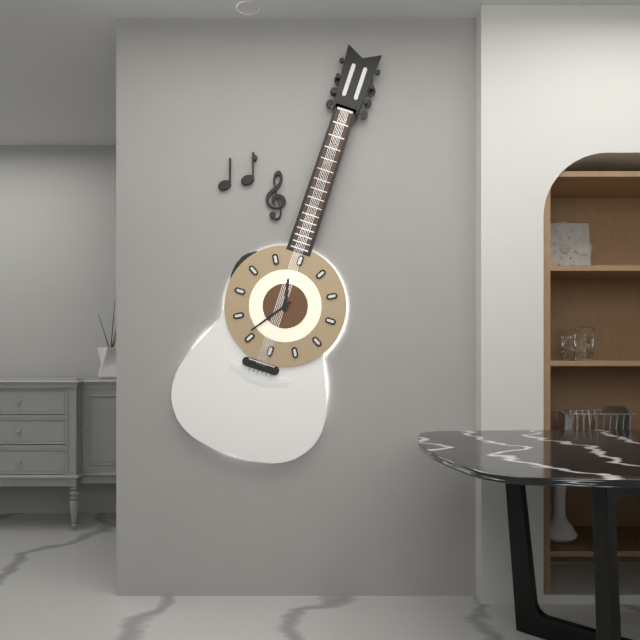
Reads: 11,36
